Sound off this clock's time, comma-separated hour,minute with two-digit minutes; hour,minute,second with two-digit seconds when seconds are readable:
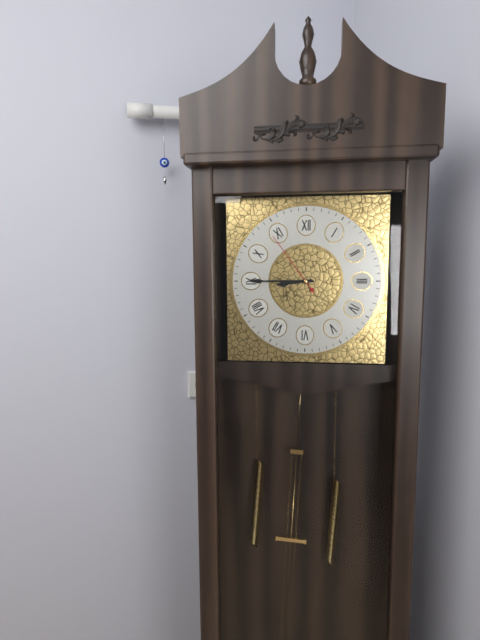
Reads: 8,45,54
